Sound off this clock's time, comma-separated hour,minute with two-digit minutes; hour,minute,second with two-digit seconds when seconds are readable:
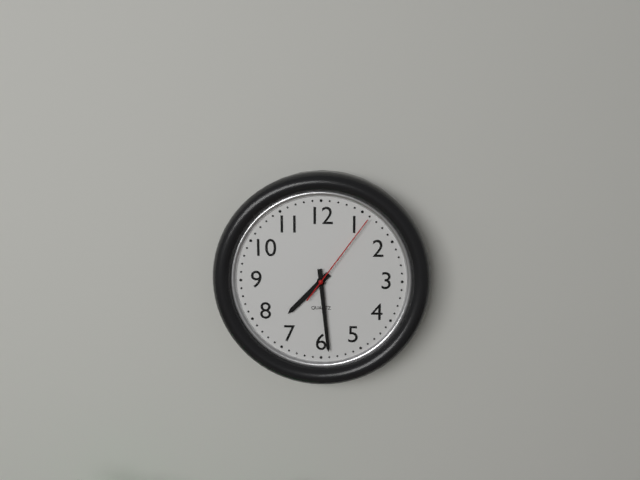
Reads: 7,29,06
